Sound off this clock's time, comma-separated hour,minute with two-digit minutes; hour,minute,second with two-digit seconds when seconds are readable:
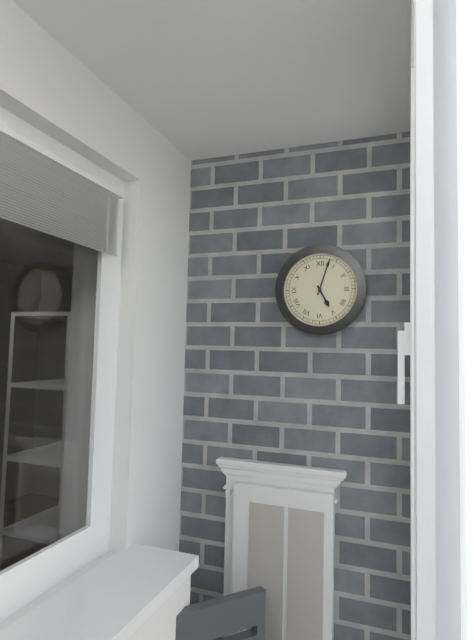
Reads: 5,03
